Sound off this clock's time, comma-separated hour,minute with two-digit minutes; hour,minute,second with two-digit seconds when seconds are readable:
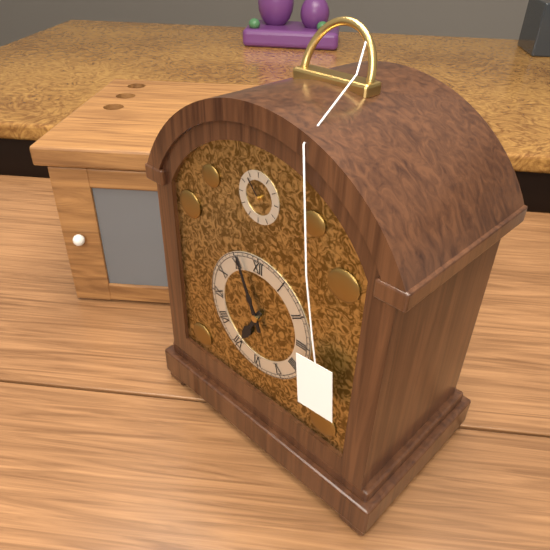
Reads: 6,56
